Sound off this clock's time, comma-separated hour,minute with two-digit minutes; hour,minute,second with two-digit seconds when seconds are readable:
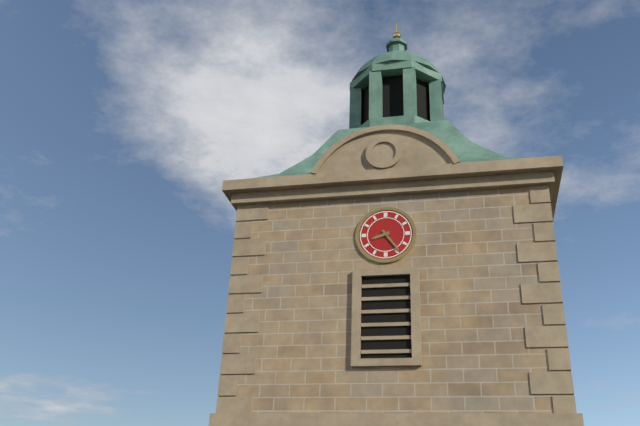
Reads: 8,24
